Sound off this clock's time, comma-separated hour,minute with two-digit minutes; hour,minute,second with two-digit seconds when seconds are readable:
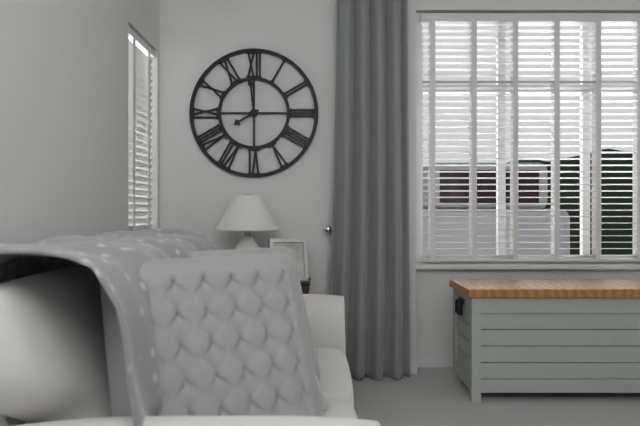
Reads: 7,59
